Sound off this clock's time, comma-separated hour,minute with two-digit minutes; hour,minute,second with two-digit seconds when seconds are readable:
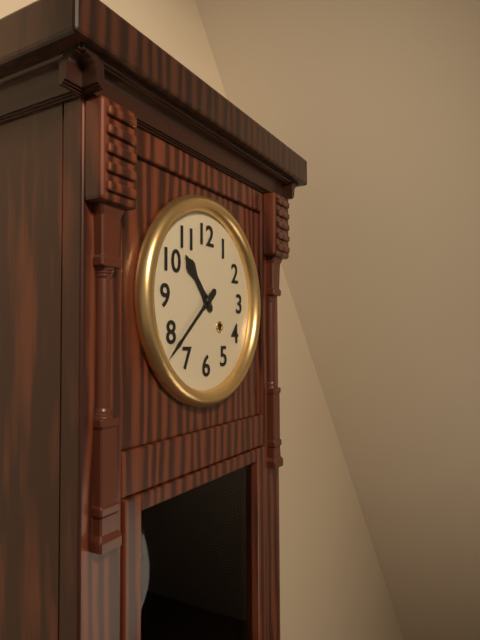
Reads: 10,38
